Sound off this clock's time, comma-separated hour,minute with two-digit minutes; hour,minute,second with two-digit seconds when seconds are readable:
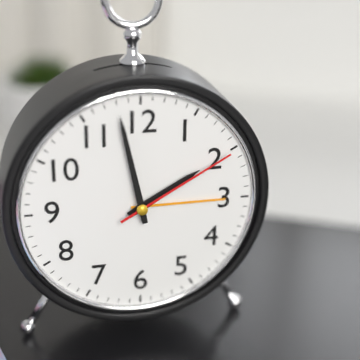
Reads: 1,58,10
